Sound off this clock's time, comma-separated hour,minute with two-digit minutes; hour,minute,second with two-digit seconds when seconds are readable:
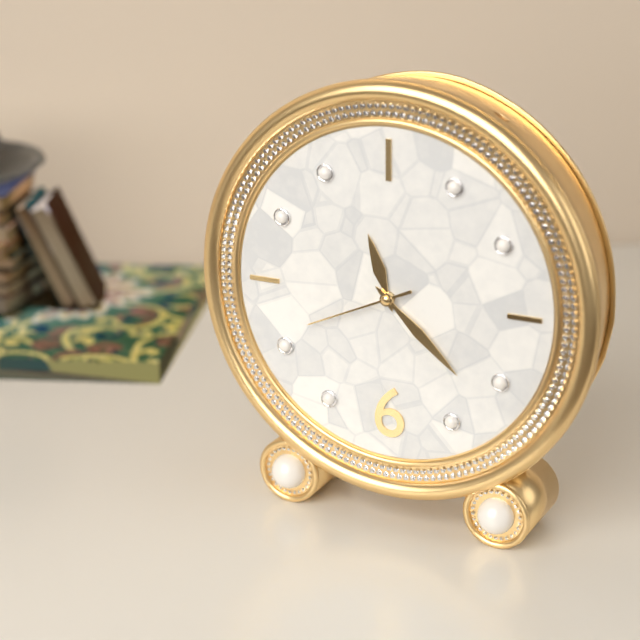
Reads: 11,22,41
